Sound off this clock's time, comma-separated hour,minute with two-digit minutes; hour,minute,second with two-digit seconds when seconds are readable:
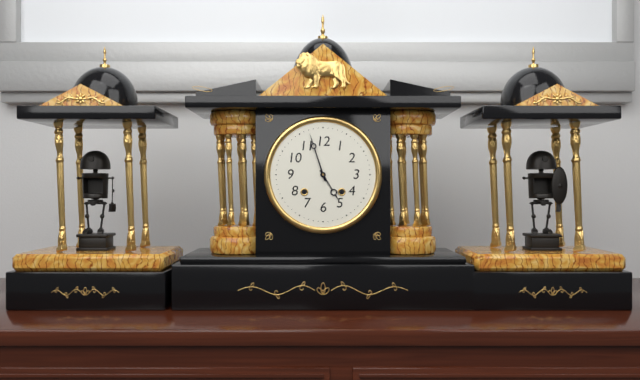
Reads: 4,57
